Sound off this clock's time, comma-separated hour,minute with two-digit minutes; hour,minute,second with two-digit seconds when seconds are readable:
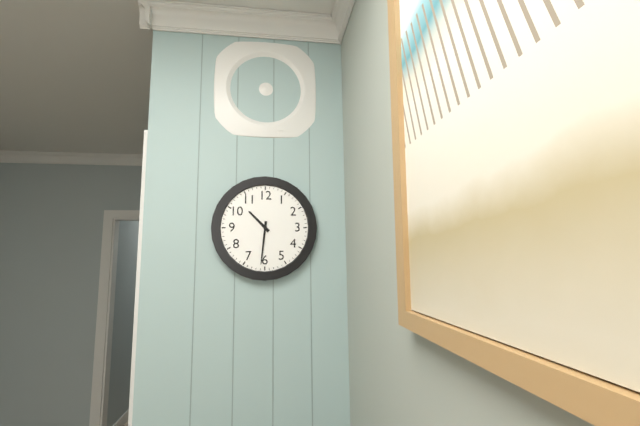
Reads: 10,31
